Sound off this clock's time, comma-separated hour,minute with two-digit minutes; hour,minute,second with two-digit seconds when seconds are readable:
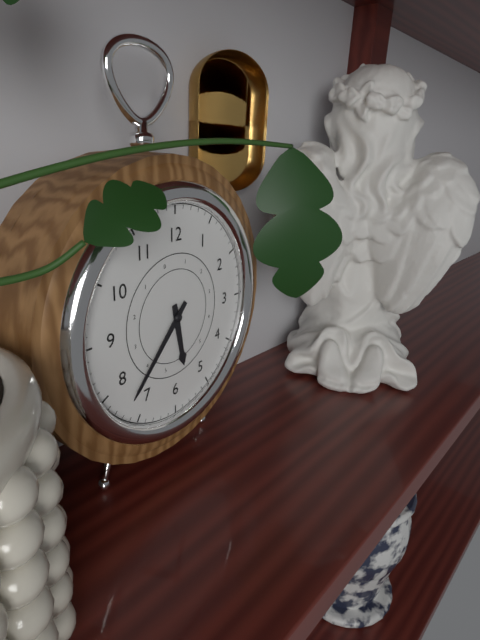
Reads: 5,37
